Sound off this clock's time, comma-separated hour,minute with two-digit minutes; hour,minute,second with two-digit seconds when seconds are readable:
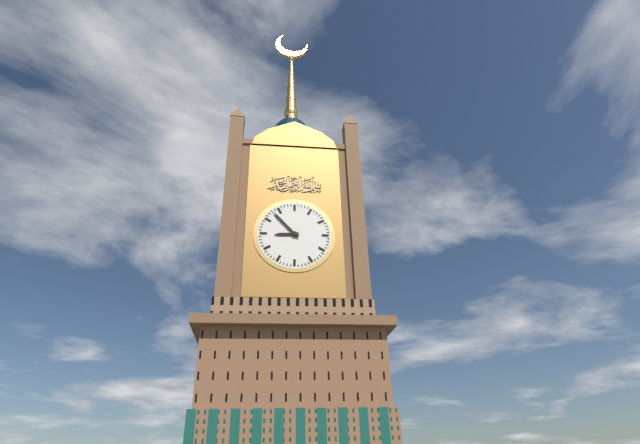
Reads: 8,53
